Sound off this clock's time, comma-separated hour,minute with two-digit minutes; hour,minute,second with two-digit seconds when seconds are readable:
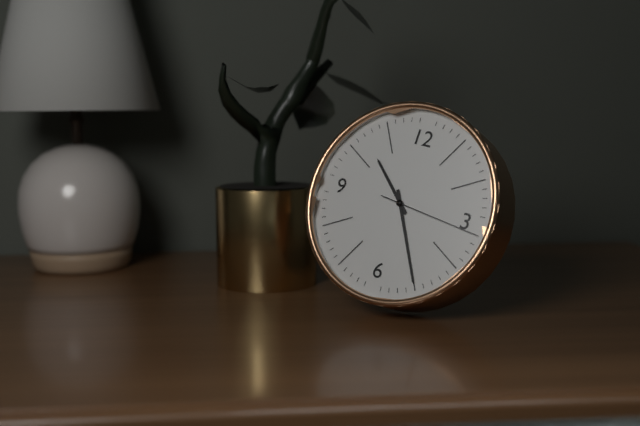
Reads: 10,25,16
